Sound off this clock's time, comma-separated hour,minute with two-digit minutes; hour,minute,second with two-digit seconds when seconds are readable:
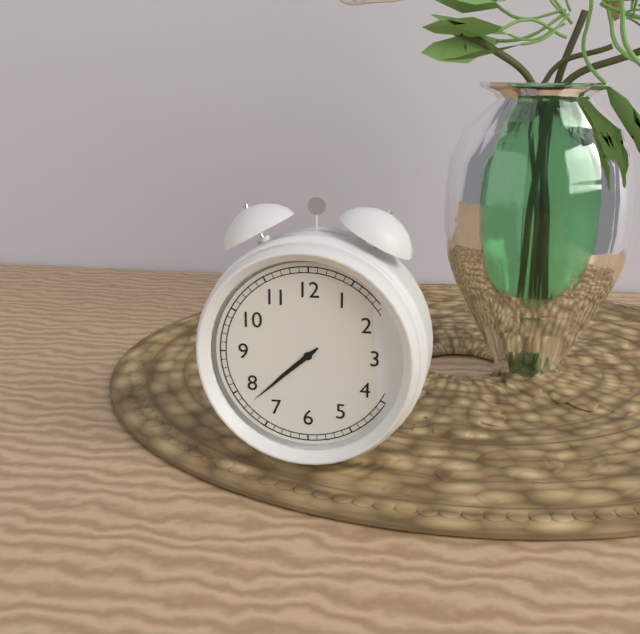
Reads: 7,38
